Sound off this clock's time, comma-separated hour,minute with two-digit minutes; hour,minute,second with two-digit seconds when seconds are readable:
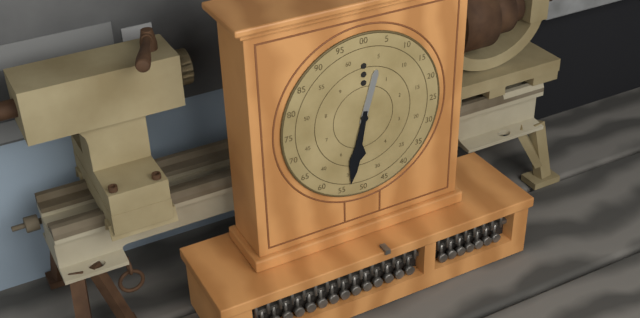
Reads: 12,32
